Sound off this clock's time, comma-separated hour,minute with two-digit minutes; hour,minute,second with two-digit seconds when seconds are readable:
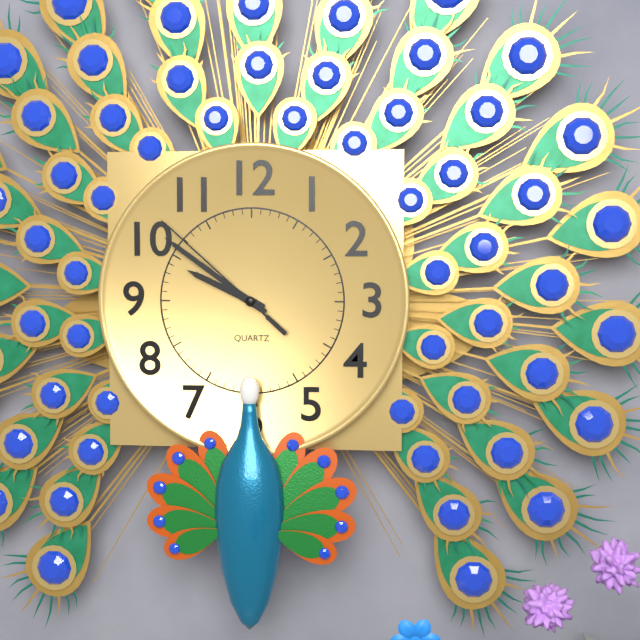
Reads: 9,51,52
